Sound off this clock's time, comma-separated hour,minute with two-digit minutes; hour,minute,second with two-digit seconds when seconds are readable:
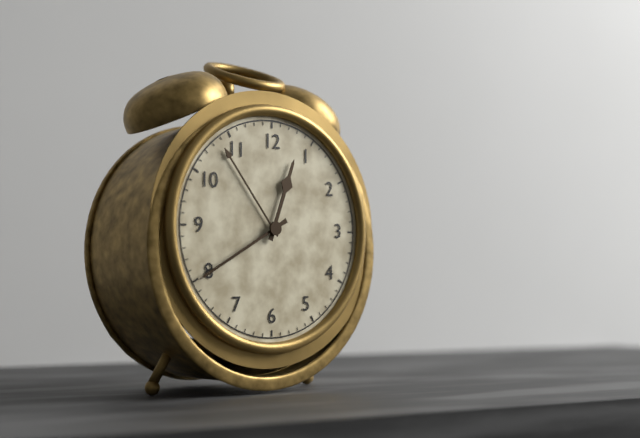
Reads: 12,40
